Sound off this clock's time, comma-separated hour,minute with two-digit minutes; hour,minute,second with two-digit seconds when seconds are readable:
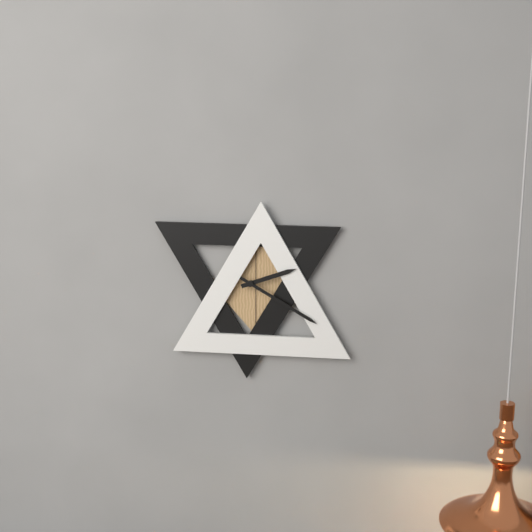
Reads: 2,20
